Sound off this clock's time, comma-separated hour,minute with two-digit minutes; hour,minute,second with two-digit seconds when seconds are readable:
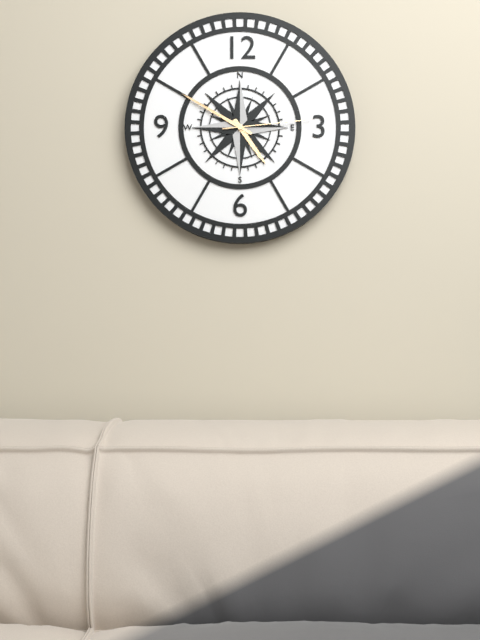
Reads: 4,50,14
